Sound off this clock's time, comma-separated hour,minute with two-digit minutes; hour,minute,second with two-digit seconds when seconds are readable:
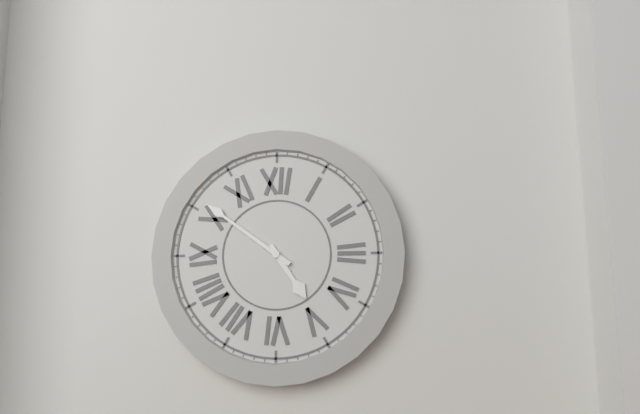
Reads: 4,51
